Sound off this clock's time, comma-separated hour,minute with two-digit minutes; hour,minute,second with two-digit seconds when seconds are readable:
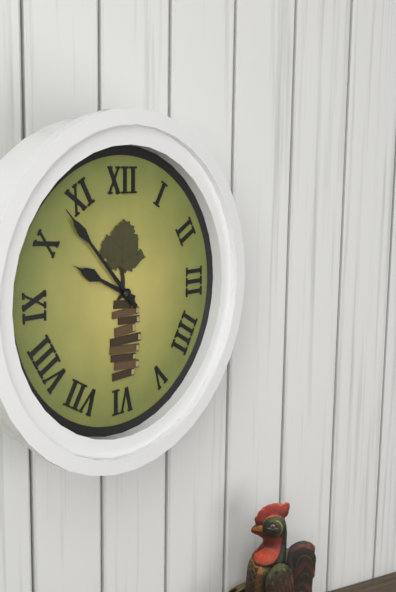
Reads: 9,53
